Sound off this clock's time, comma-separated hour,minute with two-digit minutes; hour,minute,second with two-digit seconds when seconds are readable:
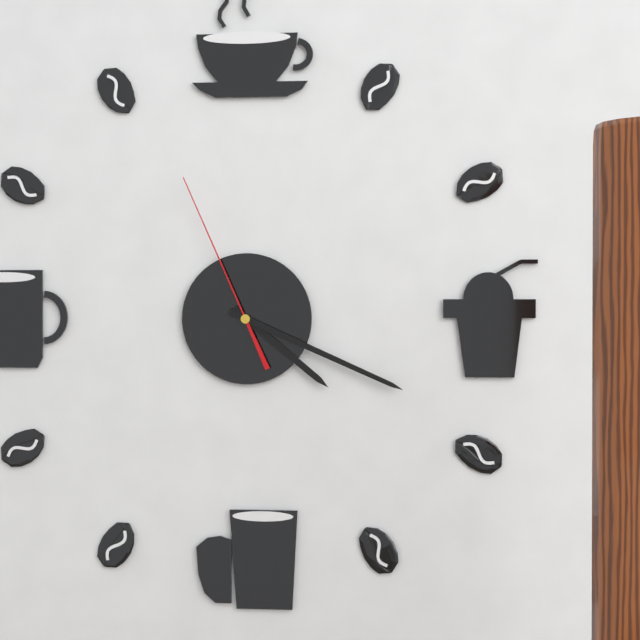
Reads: 4,19,56
